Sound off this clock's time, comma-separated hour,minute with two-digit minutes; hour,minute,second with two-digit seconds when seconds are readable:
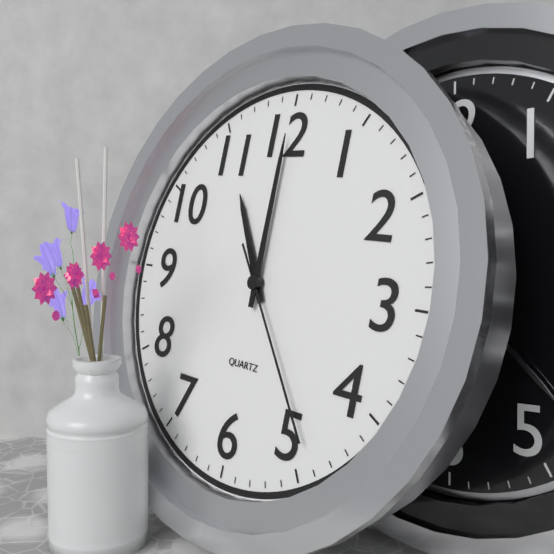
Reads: 11,00,24
